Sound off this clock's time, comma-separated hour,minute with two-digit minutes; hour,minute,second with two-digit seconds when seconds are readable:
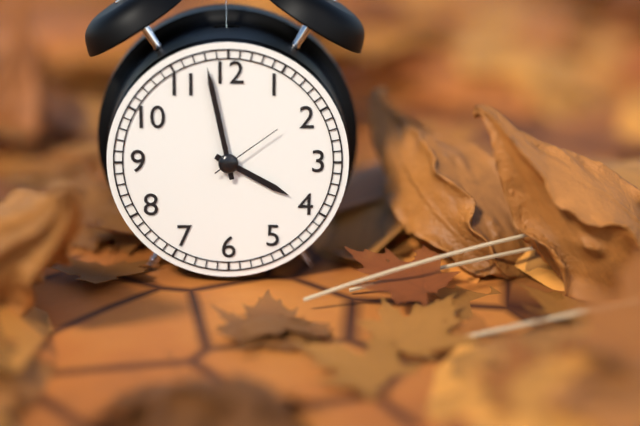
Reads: 3,58,09
